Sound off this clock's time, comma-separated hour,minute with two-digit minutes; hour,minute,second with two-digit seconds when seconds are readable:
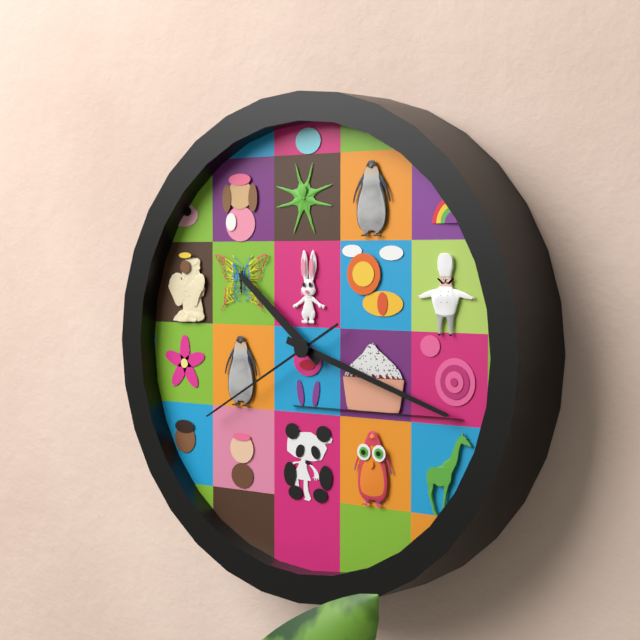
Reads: 10,18,40
